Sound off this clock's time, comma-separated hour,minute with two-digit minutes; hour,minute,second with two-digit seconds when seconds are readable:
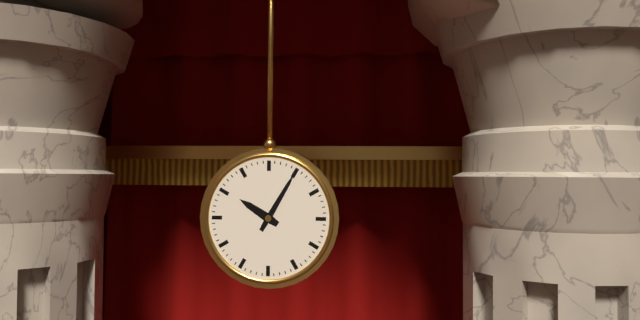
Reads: 10,05
